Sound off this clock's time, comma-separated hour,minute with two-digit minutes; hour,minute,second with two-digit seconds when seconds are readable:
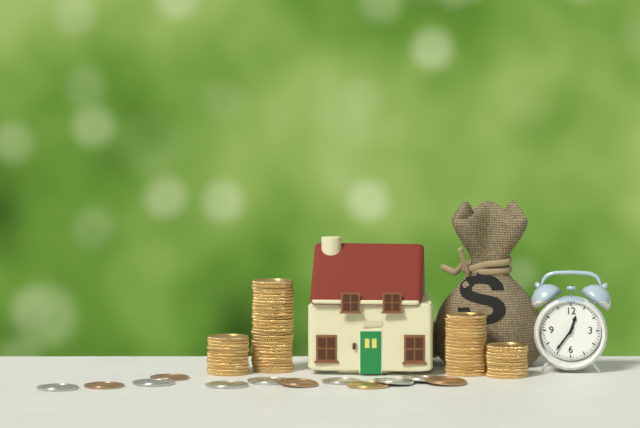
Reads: 12,36
